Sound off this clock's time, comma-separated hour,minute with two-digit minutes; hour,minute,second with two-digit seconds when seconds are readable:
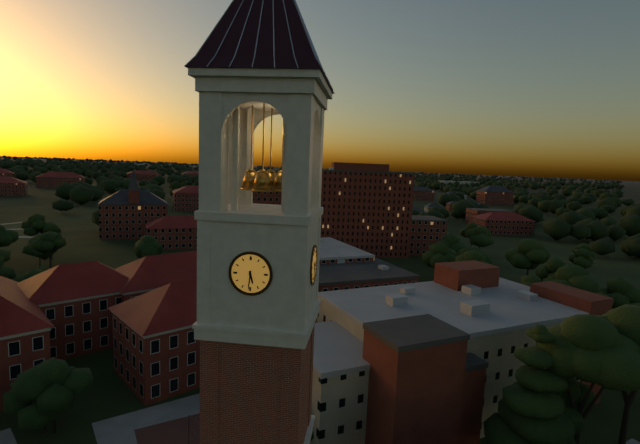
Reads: 5,31
